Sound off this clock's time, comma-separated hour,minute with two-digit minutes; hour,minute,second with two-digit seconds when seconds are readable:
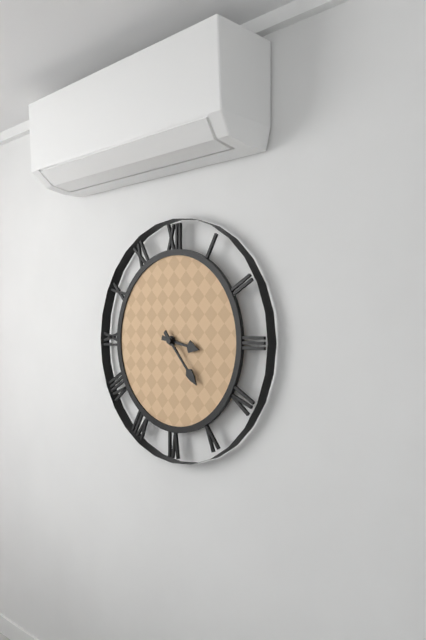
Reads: 3,23
